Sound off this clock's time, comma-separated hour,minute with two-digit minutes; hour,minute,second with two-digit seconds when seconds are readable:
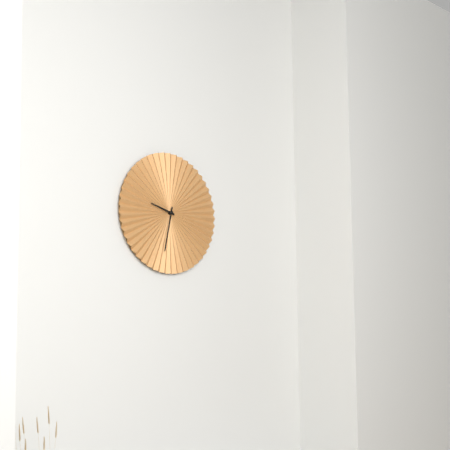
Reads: 9,32
